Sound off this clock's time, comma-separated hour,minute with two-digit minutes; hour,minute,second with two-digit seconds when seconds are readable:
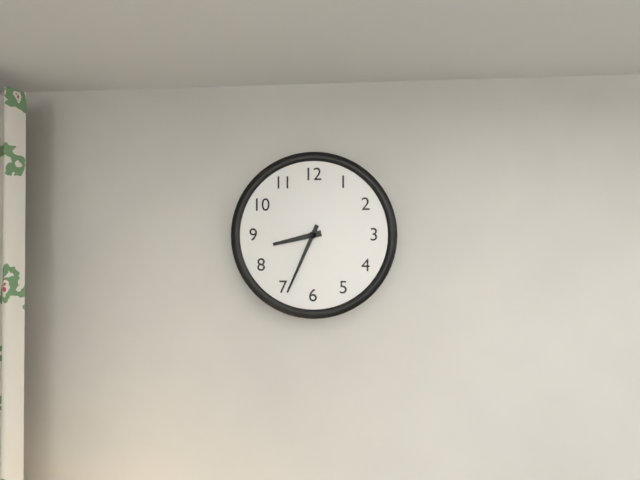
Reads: 8,34
